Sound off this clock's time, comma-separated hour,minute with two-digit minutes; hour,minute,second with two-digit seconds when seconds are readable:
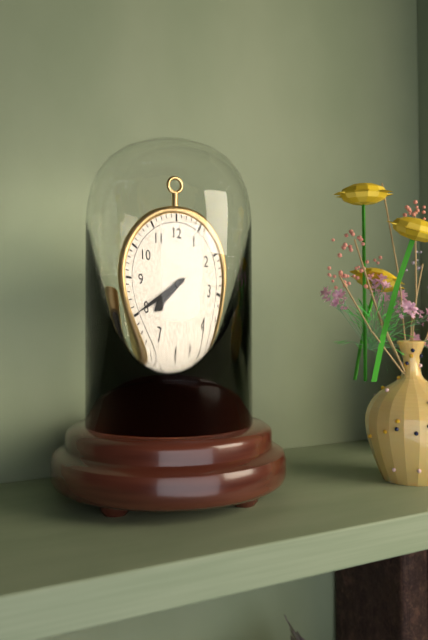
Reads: 7,40
